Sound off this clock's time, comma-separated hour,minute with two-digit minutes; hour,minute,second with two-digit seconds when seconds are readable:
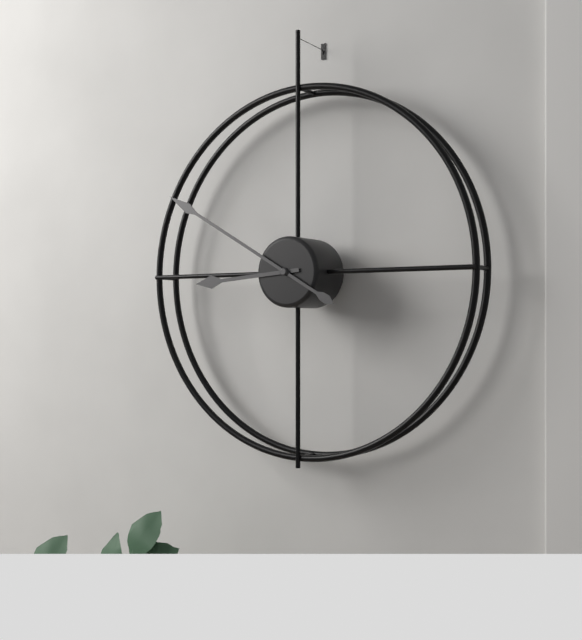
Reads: 8,50
